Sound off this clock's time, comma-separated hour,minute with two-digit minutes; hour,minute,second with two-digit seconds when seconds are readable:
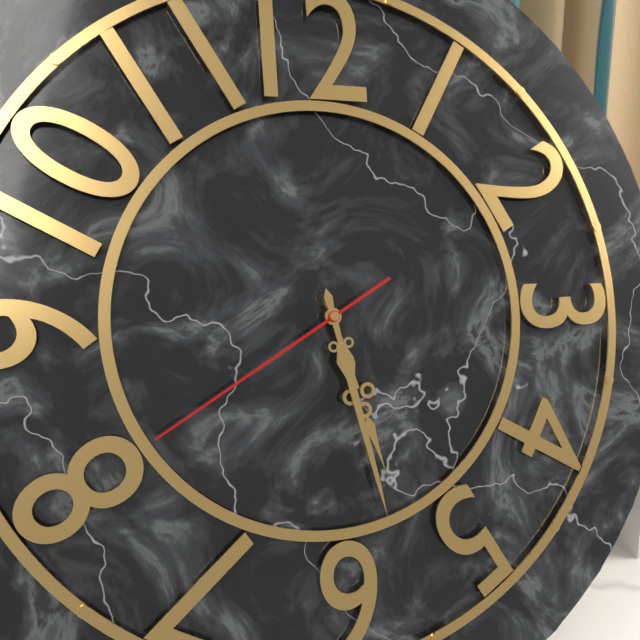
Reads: 5,28,40
